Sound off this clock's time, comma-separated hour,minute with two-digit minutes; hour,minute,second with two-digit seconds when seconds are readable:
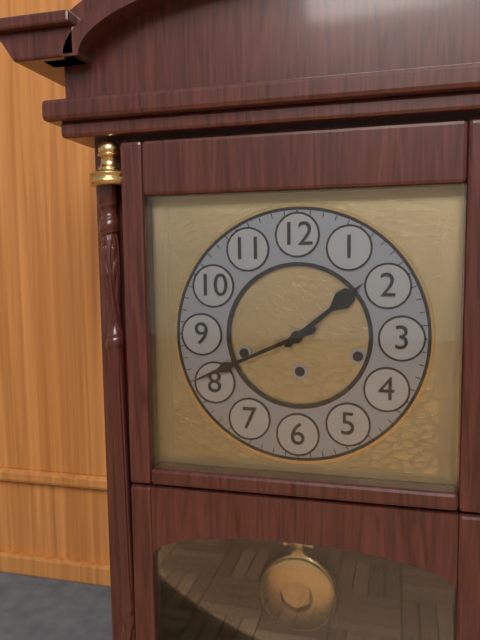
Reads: 1,41
